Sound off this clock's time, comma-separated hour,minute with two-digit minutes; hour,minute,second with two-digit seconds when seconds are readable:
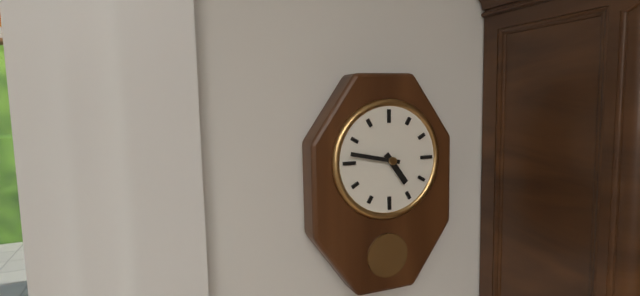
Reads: 4,47
